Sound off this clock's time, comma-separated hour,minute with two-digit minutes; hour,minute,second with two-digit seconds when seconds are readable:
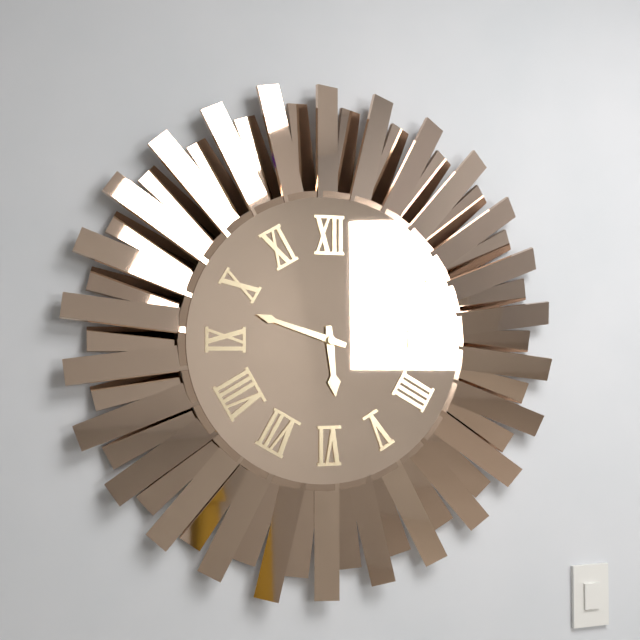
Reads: 5,48
